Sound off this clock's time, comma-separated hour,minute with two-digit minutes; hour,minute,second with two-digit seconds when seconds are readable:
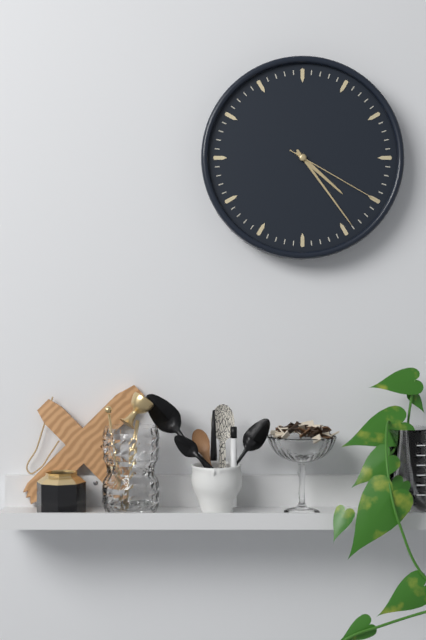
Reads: 4,24,20
